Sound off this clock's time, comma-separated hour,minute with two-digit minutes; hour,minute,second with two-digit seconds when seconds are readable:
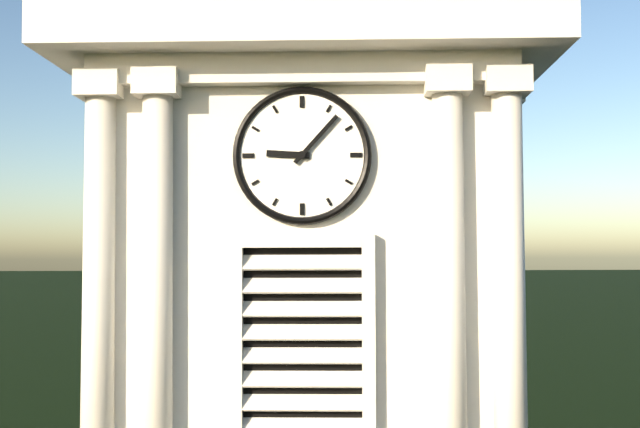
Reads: 9,07
